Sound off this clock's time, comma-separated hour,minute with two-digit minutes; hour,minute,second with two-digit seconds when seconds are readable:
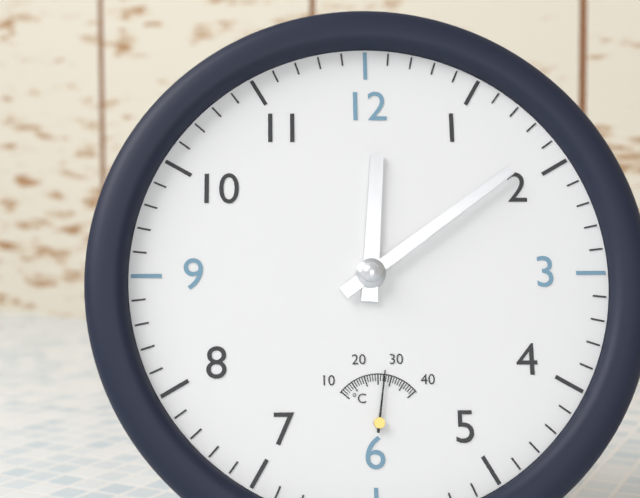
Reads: 12,09
